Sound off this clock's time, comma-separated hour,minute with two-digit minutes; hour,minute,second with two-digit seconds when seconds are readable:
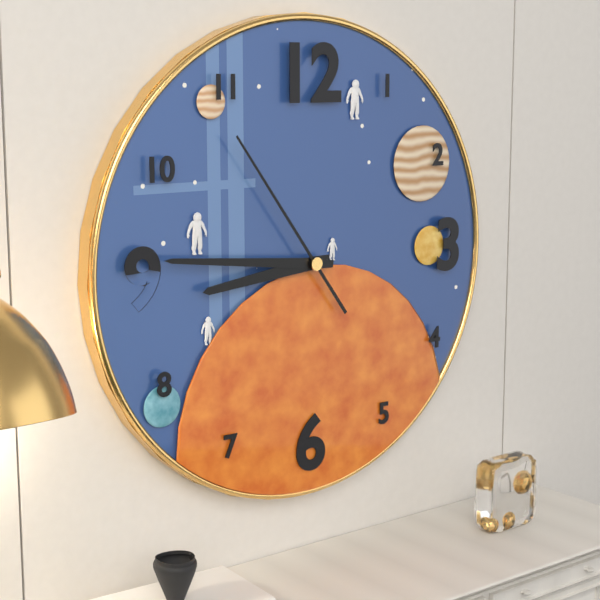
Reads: 8,46,54
